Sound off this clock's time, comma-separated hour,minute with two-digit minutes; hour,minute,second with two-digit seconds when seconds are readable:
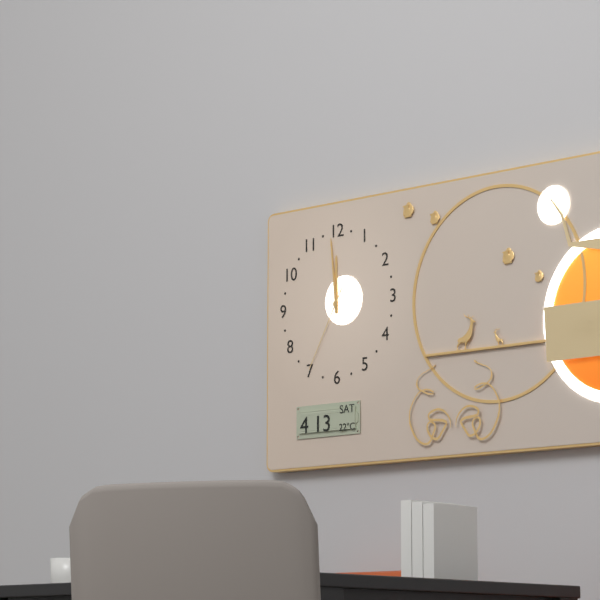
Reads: 11,59,35
